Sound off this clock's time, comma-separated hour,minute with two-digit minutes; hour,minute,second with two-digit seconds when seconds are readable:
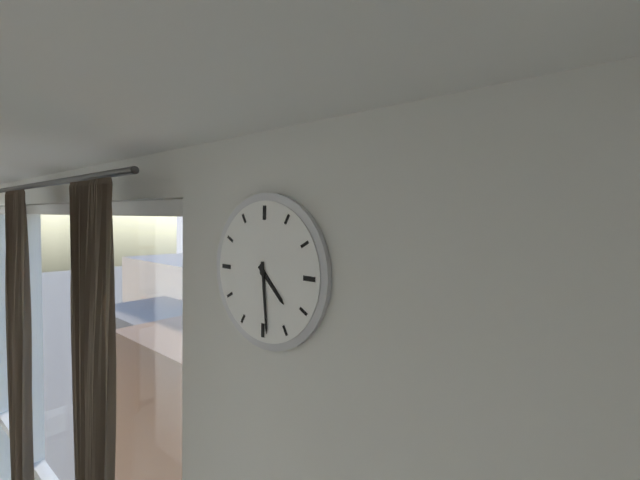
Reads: 4,29
